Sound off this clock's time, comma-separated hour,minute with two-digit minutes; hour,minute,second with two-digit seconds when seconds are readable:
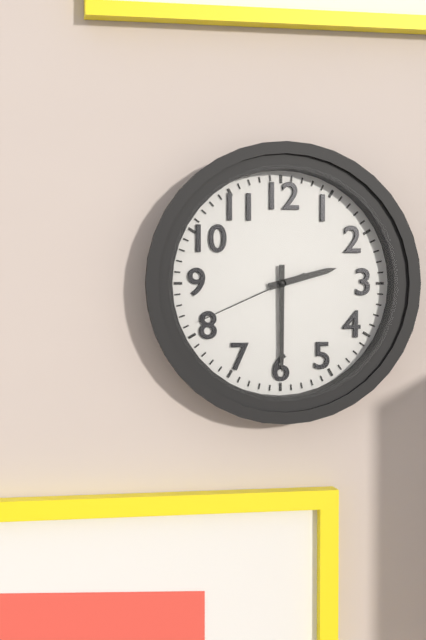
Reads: 2,30,41
